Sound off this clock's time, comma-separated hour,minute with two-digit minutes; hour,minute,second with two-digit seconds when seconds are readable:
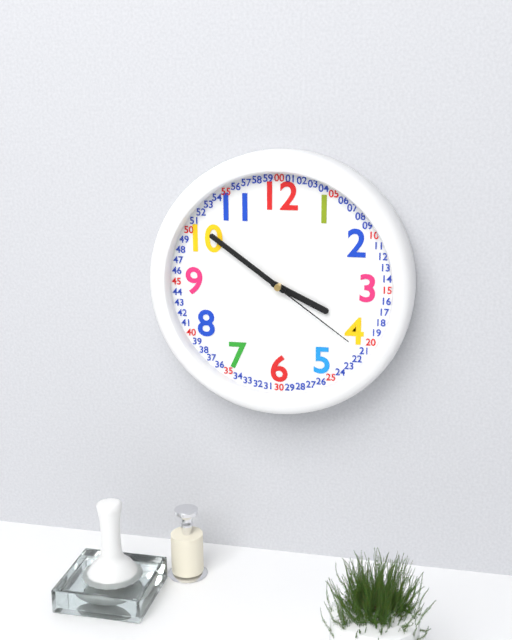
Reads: 3,51,21
